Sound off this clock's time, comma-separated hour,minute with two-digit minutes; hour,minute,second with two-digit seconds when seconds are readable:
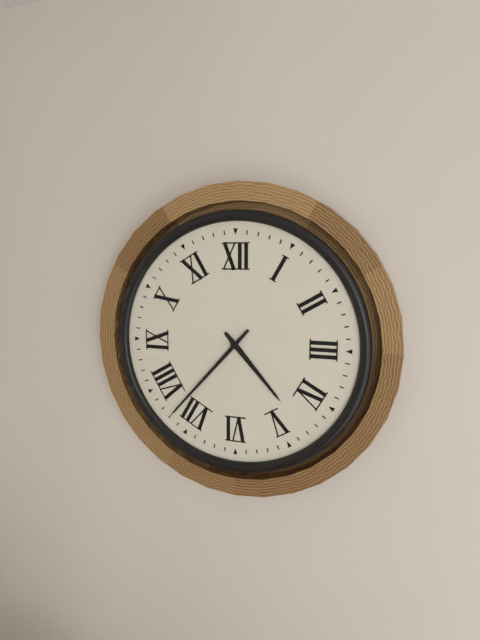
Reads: 4,37
